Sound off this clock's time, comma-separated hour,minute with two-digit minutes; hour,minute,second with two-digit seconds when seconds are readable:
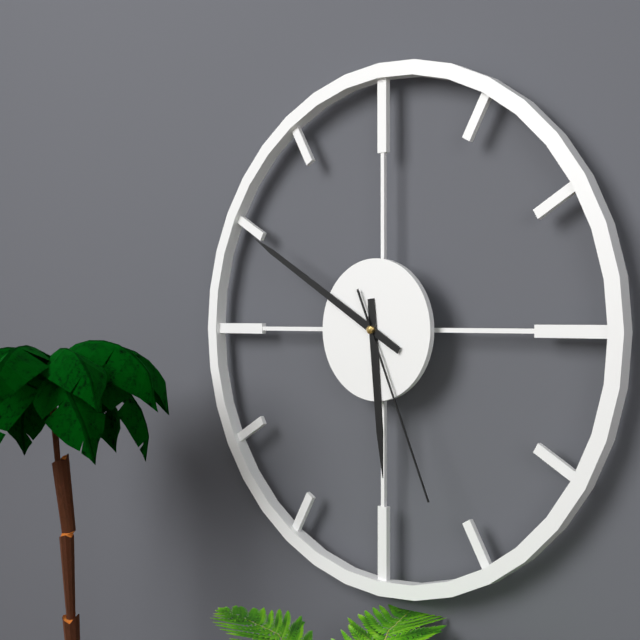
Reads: 5,50,26
